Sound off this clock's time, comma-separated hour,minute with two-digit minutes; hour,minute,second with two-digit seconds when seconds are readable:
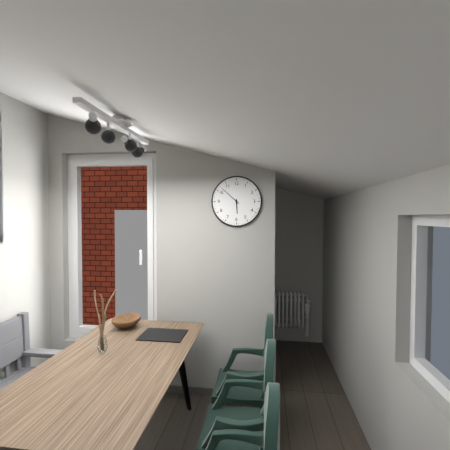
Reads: 5,52
